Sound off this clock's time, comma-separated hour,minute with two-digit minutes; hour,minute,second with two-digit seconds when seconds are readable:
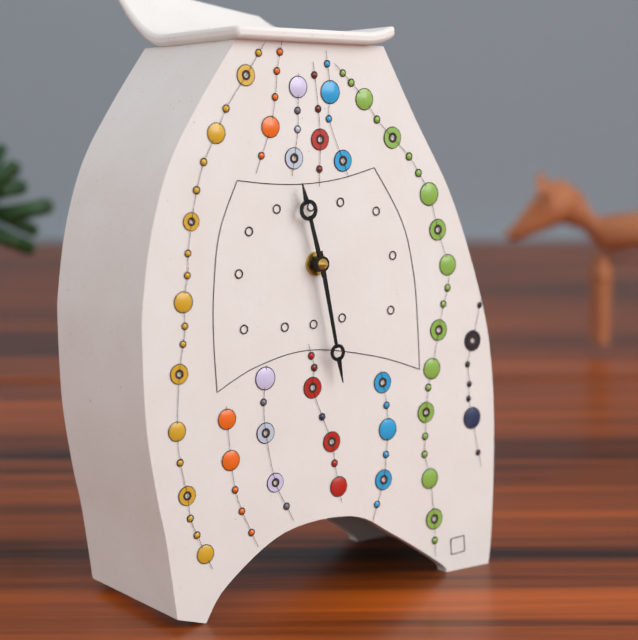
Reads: 11,28
